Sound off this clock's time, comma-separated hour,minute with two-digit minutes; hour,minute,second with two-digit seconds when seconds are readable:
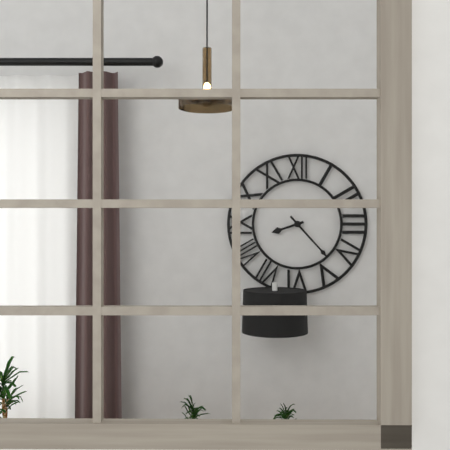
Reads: 8,23
